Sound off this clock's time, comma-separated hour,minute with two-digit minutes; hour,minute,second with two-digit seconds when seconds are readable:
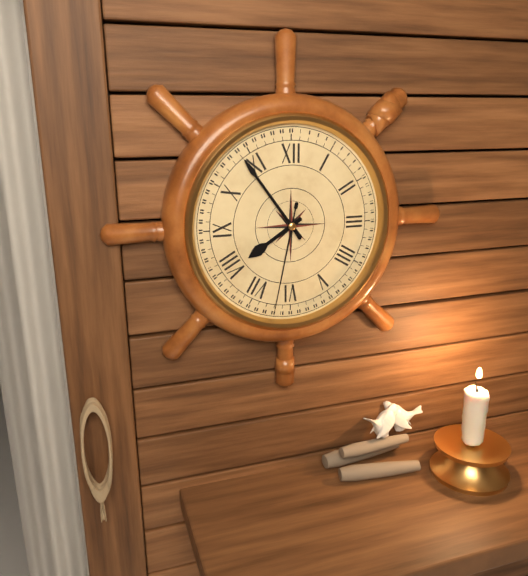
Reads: 7,54,32
